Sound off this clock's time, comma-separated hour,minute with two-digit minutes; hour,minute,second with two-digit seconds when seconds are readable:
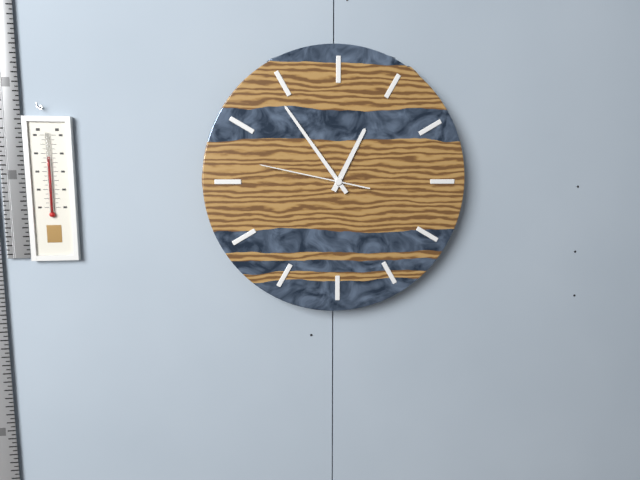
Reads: 12,54,47
